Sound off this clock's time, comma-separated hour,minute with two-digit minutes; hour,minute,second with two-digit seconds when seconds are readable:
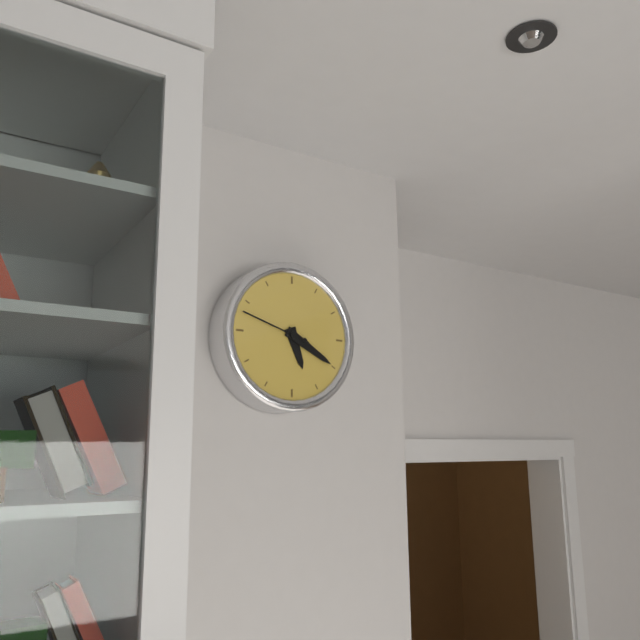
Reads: 5,20,48
